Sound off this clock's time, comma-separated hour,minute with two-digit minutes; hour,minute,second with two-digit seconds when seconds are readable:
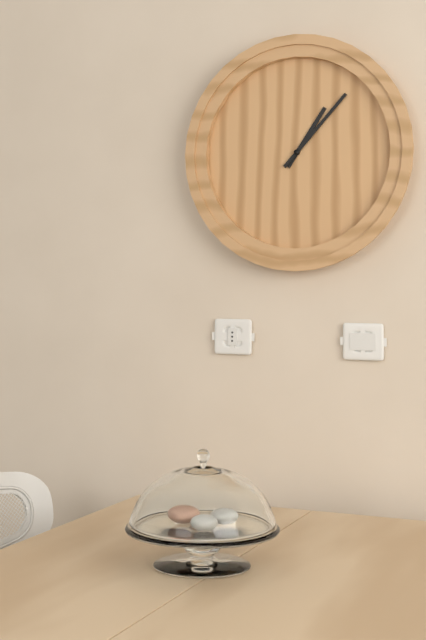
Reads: 1,07
